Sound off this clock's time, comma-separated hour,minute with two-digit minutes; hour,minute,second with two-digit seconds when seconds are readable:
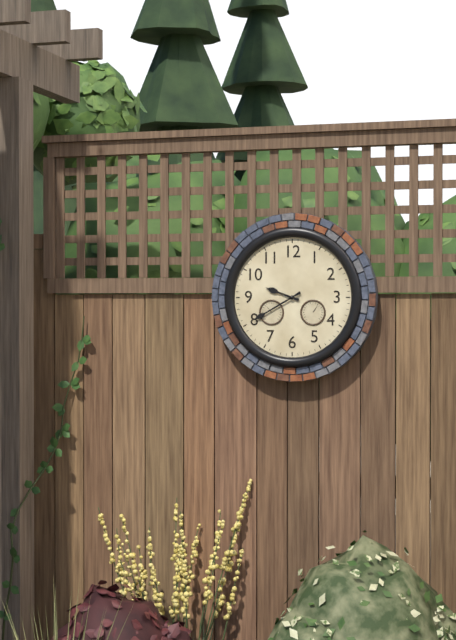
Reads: 9,40
